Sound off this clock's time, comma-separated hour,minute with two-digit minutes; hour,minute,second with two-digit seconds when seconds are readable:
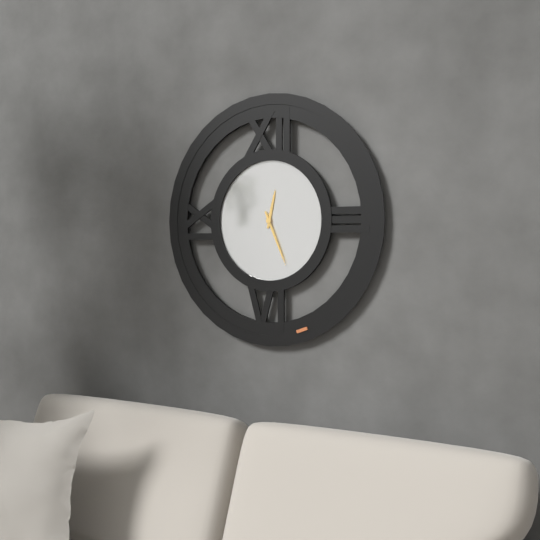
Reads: 12,26
